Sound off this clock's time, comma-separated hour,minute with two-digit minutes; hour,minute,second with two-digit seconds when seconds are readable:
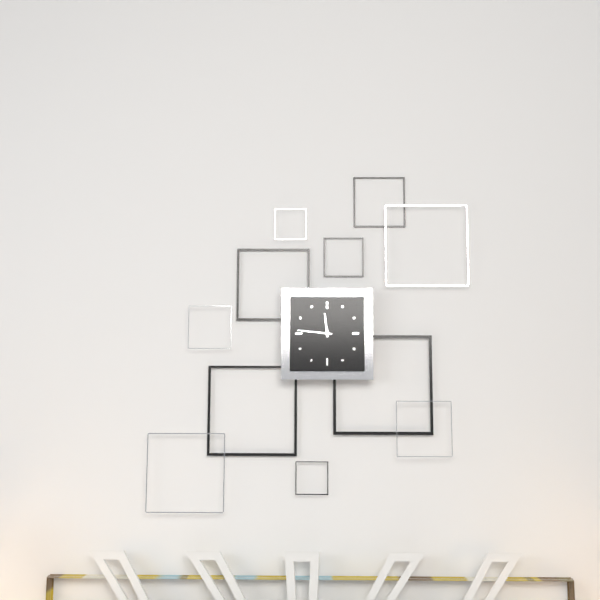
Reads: 11,46
